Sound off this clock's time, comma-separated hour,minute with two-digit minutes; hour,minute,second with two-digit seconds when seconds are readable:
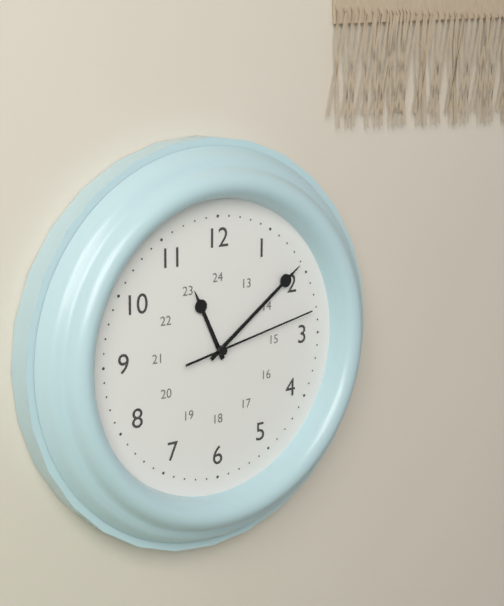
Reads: 11,09,13
